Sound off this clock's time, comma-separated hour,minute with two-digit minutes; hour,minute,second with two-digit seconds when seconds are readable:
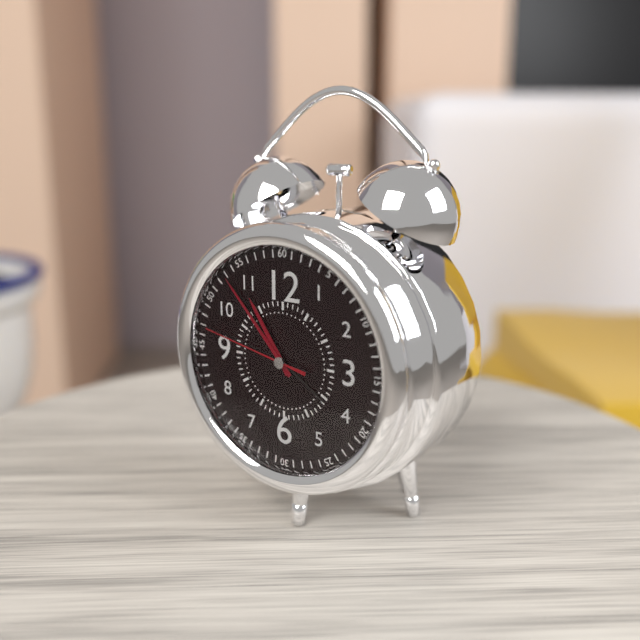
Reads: 10,53,47
